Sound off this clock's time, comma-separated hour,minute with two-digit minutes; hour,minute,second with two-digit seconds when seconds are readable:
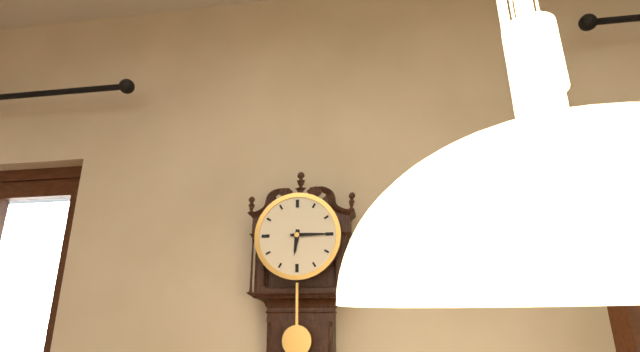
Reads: 6,15
